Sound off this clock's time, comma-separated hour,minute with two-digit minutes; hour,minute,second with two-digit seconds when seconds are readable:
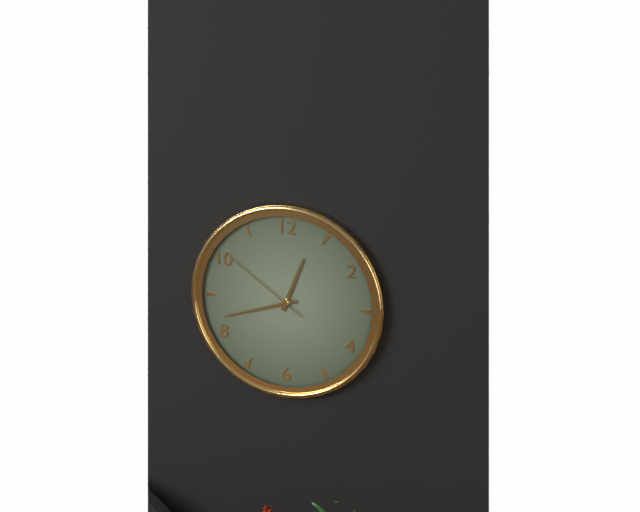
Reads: 12,42,51
